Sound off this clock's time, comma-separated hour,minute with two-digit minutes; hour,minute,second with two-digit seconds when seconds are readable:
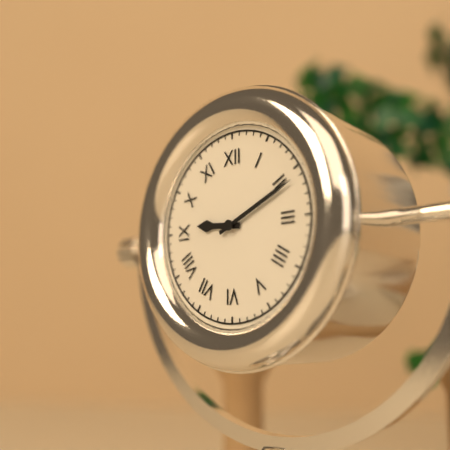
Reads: 9,11
